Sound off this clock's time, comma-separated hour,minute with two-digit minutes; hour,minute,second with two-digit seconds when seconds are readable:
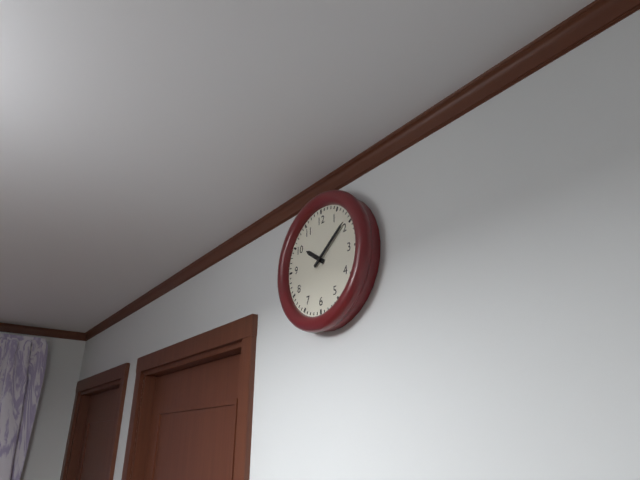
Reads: 10,09
